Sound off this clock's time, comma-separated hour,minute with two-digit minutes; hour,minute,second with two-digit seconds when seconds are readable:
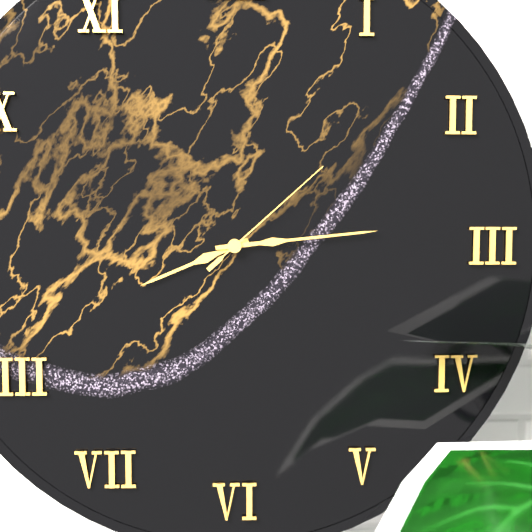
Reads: 8,14,08
